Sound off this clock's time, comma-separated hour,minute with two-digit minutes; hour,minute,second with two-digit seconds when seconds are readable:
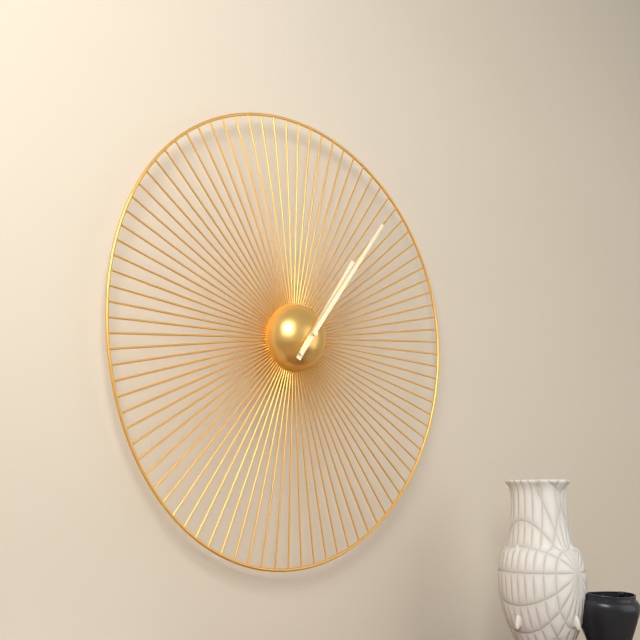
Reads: 1,06
